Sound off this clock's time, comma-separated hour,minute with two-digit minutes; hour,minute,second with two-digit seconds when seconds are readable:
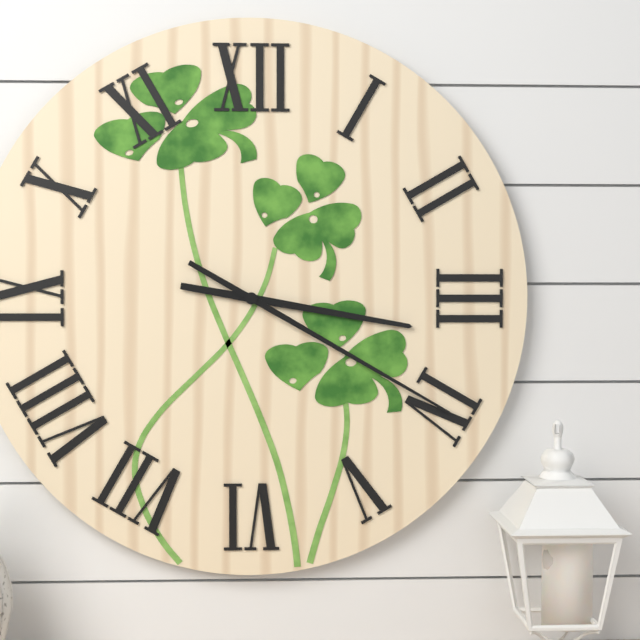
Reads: 3,20
